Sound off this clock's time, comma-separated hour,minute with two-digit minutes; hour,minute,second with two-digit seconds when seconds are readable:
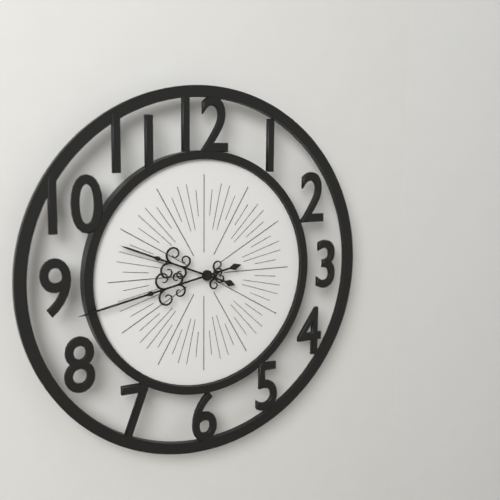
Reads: 9,43
